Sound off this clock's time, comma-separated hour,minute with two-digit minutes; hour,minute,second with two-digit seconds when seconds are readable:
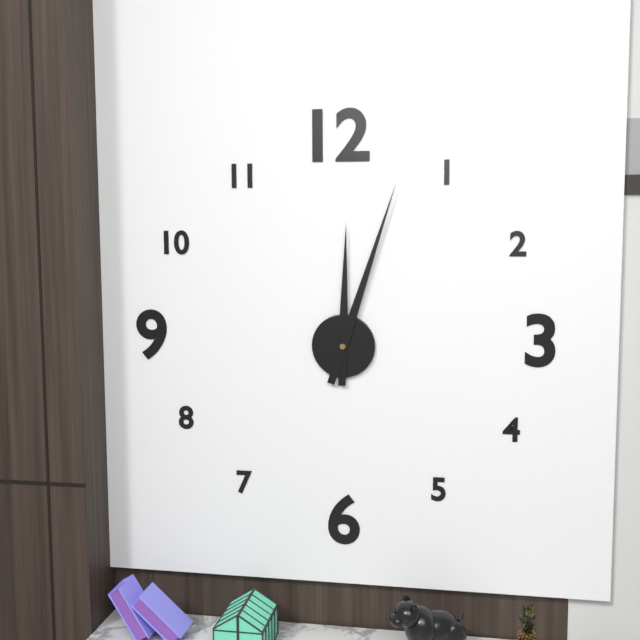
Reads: 12,03
